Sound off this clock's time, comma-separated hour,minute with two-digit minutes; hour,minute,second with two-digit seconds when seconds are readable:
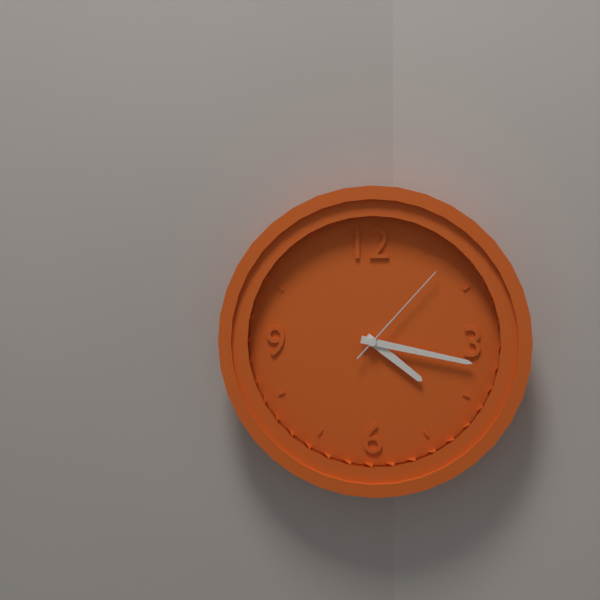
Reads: 4,17,07
